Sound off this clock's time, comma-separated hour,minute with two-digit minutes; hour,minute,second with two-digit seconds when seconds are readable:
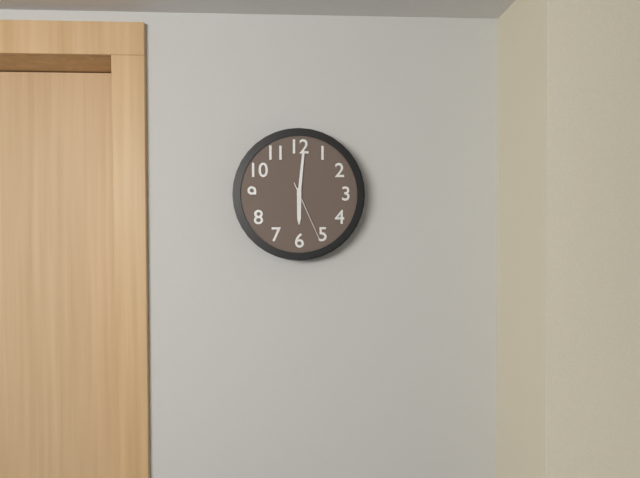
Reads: 6,01,26
